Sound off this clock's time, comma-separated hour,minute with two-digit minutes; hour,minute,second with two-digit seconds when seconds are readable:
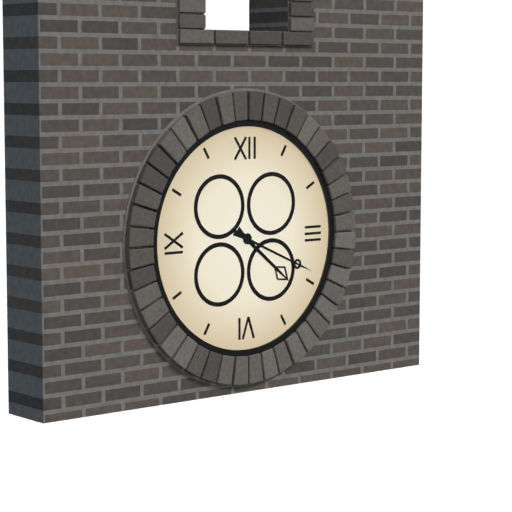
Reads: 4,19
